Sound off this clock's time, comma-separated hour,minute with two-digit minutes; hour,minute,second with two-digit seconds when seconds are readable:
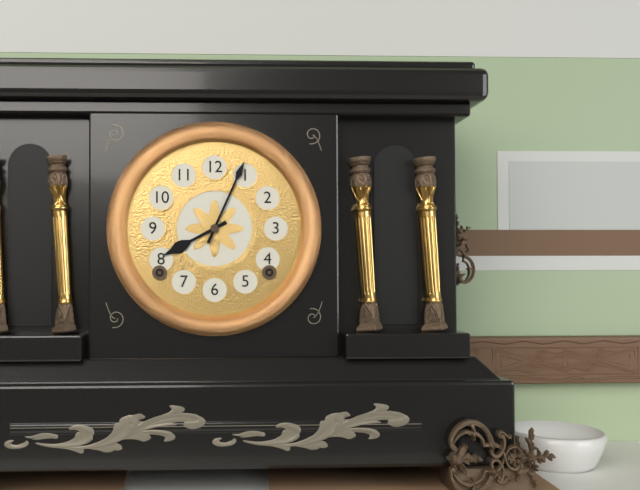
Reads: 8,04
